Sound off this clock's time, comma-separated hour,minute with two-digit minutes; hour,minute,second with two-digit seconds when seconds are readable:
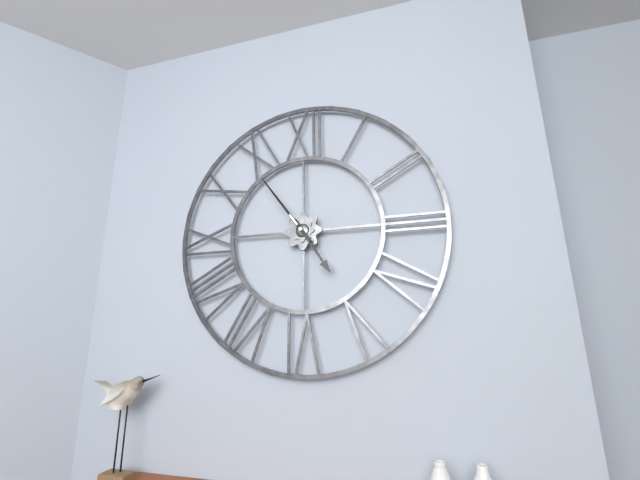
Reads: 4,54
